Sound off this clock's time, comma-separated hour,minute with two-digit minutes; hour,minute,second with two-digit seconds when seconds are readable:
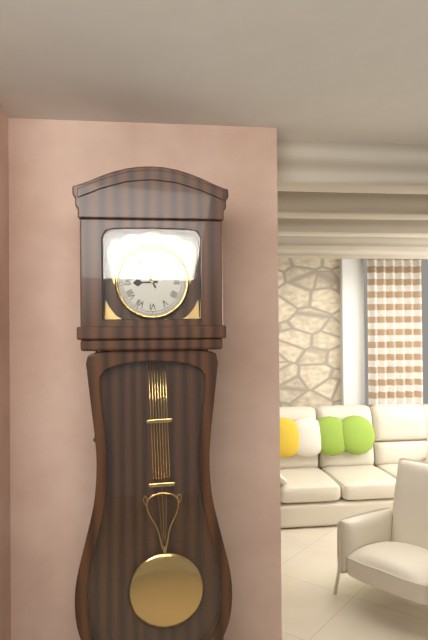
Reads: 8,55
